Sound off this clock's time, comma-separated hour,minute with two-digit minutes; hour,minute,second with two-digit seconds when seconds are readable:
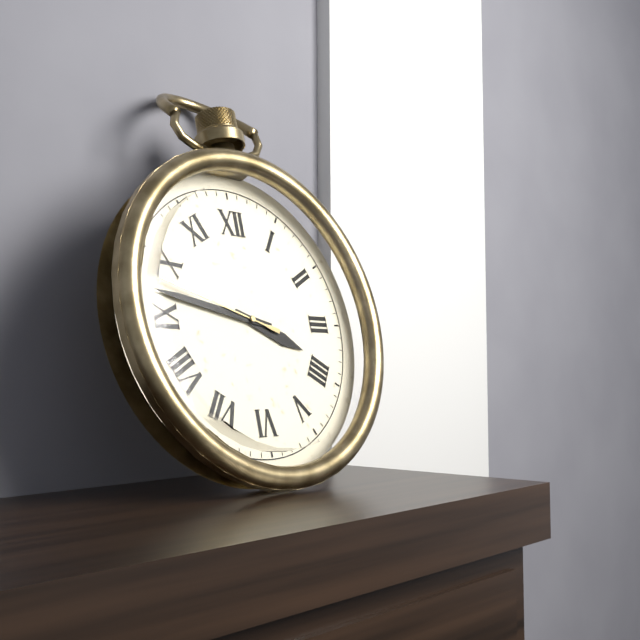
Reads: 3,47,48
